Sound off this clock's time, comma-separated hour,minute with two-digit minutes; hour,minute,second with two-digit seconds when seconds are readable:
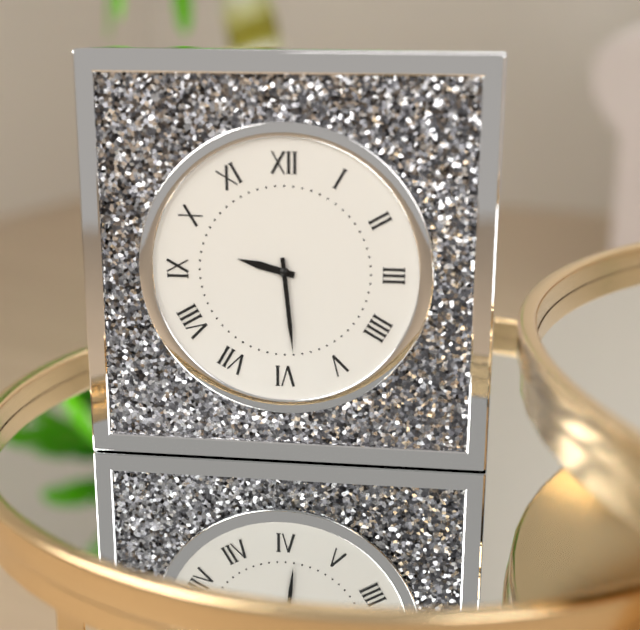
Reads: 9,29
